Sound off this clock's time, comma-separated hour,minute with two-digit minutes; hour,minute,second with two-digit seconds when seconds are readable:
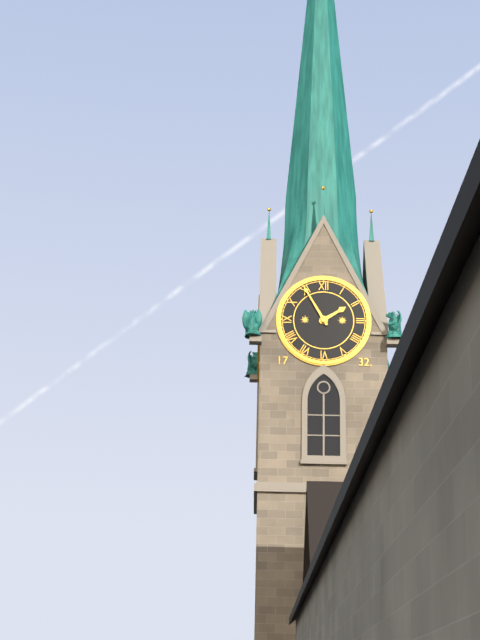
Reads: 1,55
